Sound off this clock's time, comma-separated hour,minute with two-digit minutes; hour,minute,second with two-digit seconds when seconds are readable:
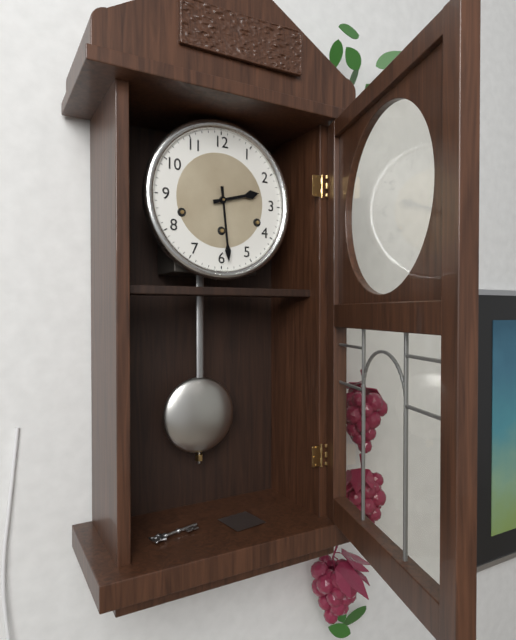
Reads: 2,29
